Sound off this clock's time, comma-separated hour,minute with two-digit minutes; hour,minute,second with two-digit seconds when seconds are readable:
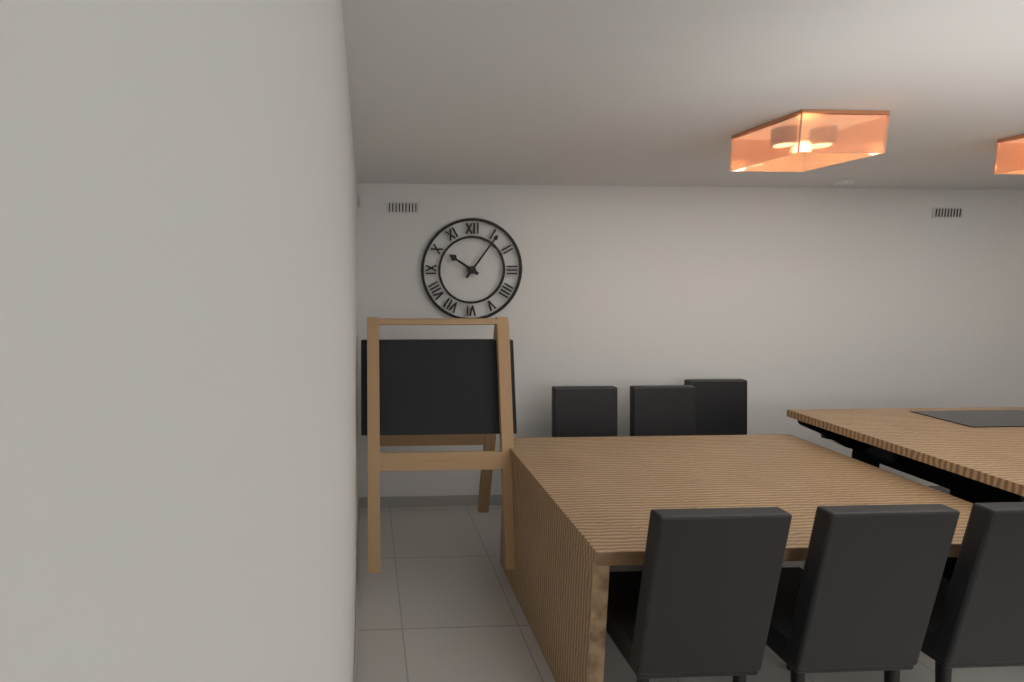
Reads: 10,06
